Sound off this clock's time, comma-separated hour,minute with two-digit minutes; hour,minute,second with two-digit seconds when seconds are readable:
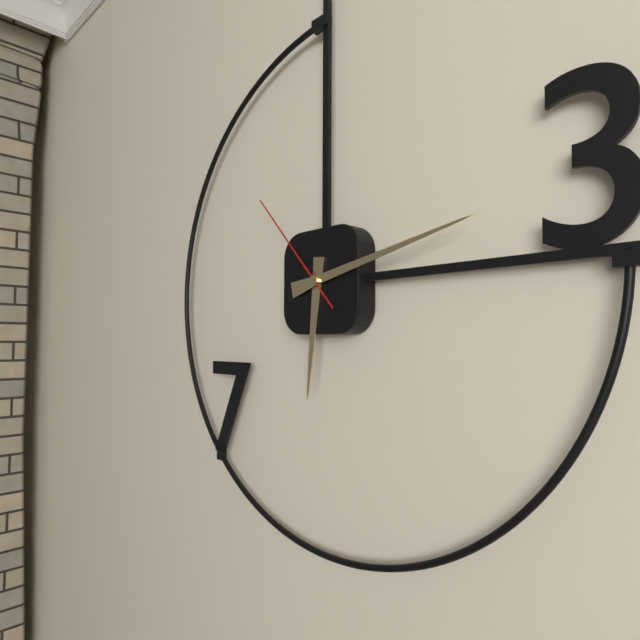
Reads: 6,13,53
